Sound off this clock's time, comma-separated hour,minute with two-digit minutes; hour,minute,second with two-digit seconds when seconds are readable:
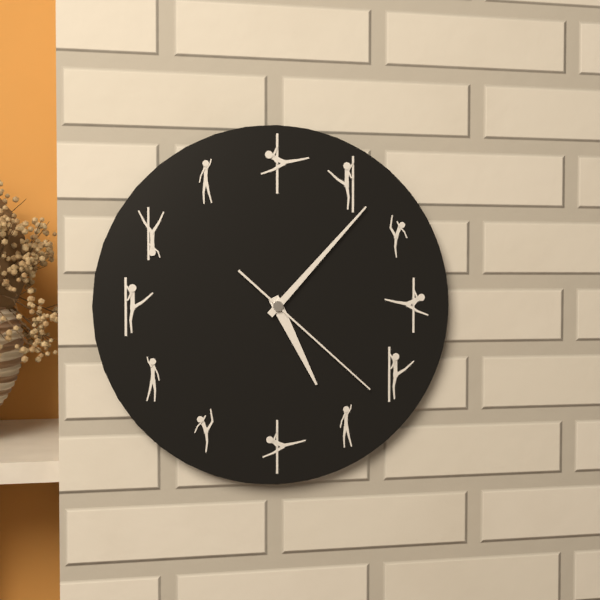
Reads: 5,07,22
